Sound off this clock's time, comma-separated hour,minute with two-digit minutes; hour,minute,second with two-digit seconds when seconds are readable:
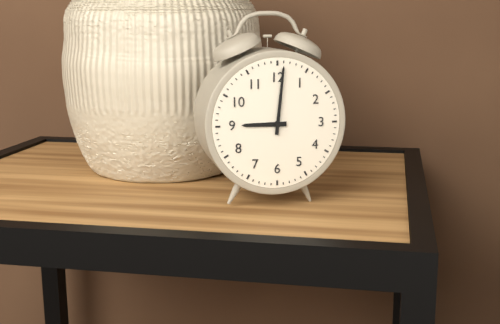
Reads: 9,01
